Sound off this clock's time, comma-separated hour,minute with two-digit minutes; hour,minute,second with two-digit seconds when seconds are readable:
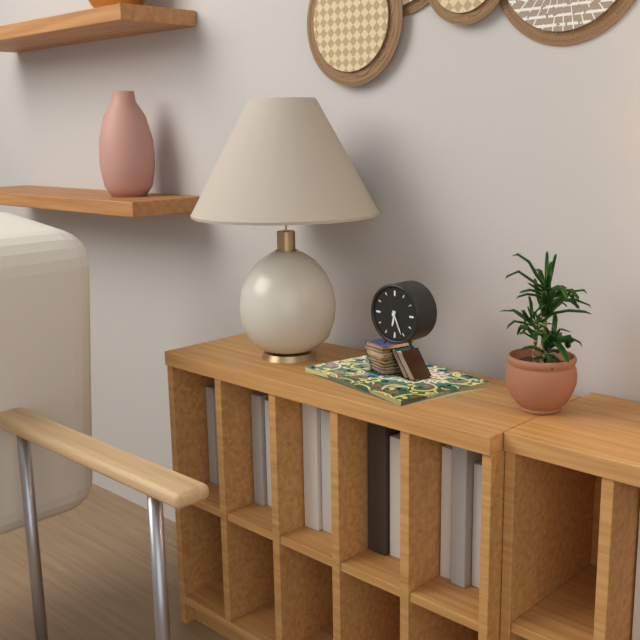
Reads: 6,26
